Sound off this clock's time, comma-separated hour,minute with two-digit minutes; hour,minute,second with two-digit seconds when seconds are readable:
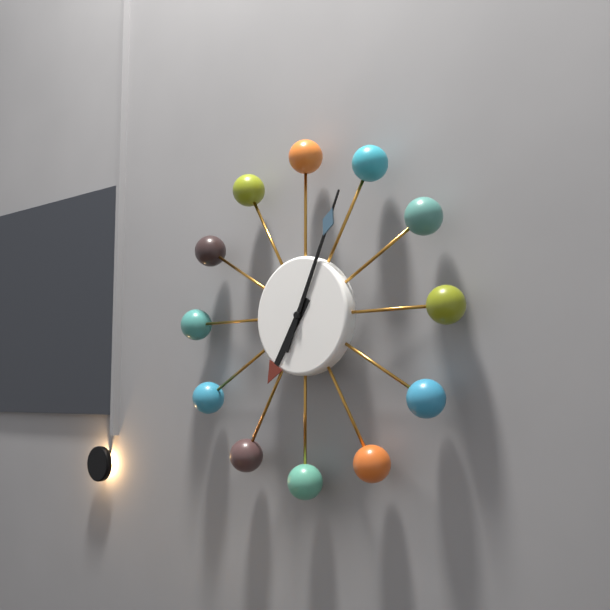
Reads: 7,04
